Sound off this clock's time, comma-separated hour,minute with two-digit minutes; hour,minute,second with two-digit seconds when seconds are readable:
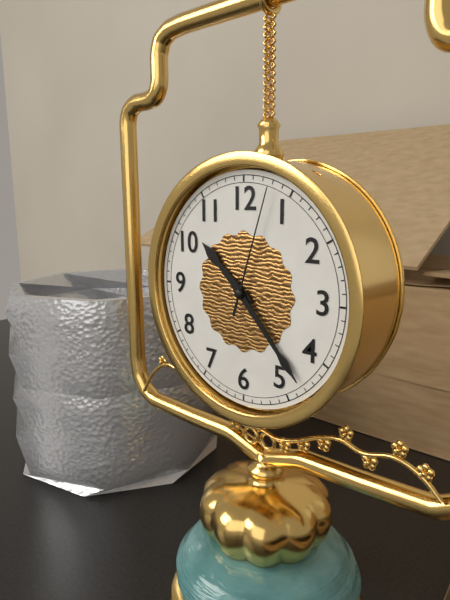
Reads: 10,23,03
